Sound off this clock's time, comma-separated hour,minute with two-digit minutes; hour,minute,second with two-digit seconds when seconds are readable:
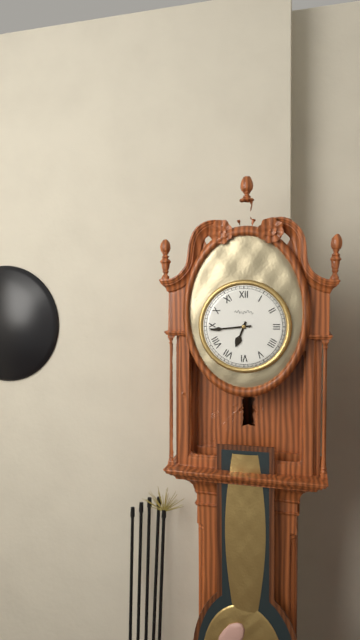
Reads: 6,44
